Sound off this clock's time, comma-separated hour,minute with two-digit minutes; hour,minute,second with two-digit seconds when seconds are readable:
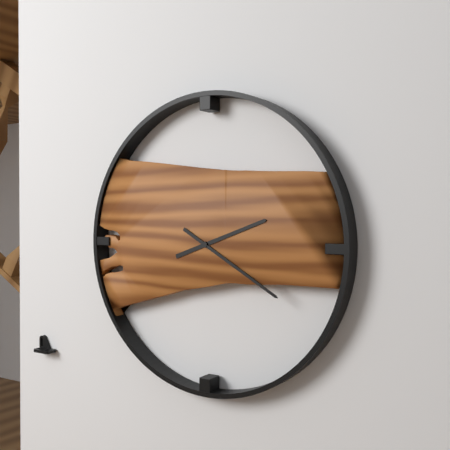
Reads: 2,20
